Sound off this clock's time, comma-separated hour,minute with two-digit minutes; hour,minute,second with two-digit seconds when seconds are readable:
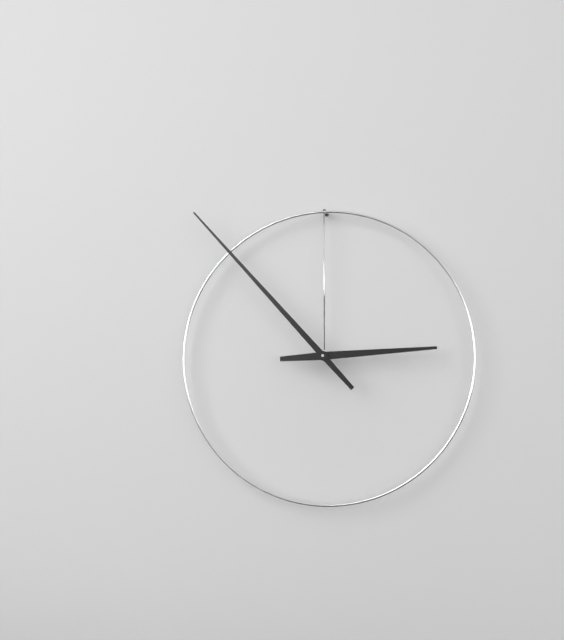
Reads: 2,53
